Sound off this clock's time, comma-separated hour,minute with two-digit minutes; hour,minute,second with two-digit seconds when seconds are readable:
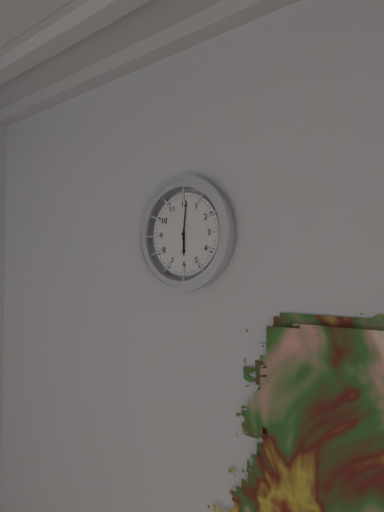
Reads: 6,01
